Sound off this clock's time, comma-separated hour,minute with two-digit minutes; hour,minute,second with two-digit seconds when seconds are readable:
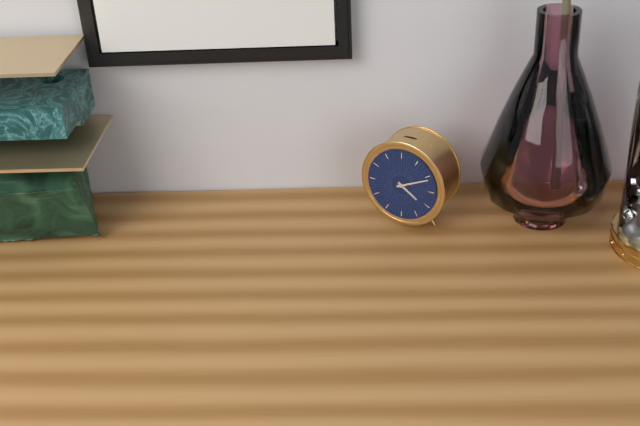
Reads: 4,11
